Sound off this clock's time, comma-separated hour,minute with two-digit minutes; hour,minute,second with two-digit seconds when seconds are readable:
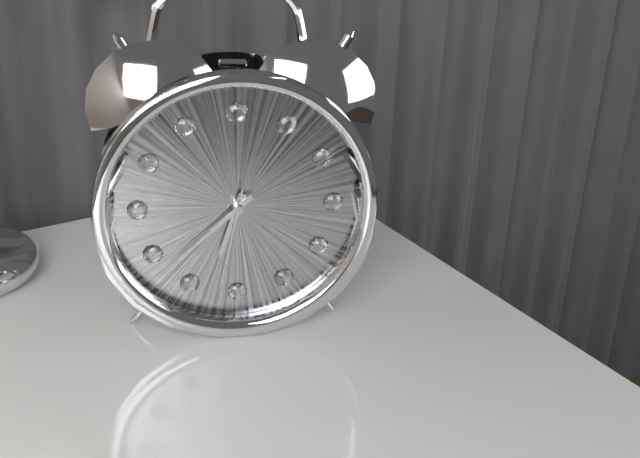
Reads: 6,38,32
